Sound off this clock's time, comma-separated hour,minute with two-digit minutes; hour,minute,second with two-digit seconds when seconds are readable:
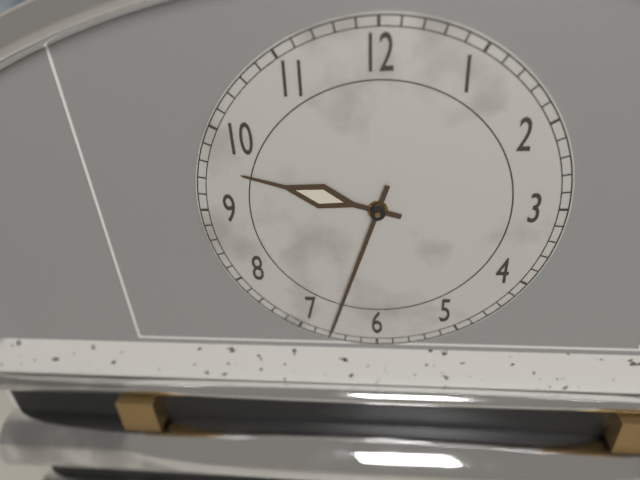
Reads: 9,33
